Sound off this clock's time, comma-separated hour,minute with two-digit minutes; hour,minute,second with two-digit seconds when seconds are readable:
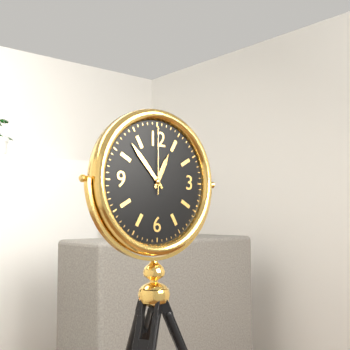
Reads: 12,53,00
